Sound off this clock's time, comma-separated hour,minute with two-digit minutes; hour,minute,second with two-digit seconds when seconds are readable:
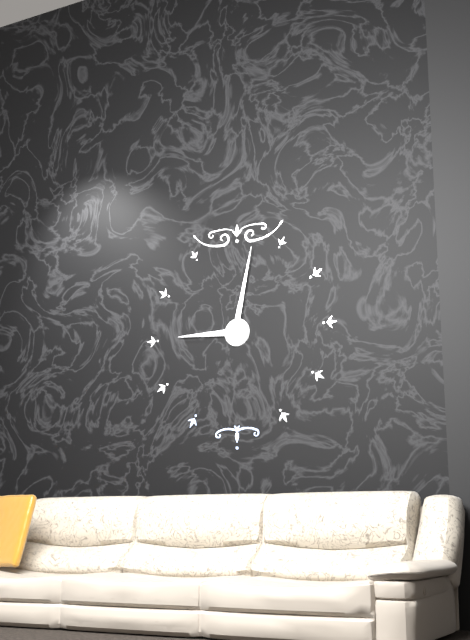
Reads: 9,02
